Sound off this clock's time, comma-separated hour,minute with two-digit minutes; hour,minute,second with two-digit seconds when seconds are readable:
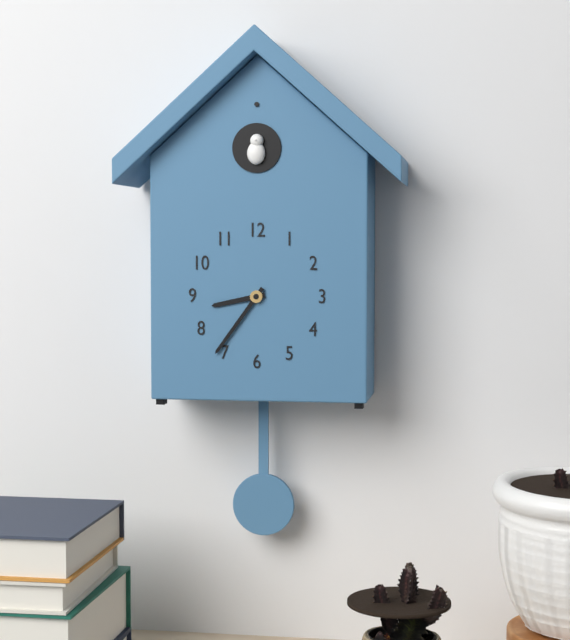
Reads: 8,36
